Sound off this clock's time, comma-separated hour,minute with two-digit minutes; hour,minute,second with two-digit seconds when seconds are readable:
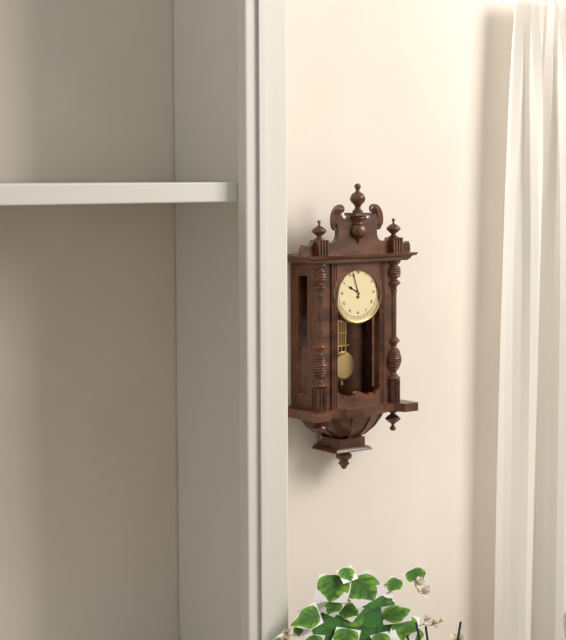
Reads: 9,57
